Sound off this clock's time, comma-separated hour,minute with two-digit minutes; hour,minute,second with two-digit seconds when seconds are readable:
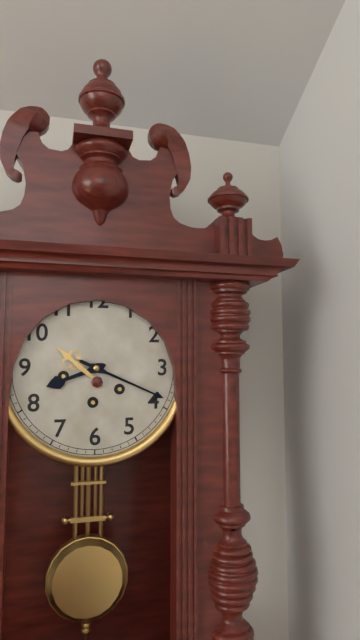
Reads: 8,19
